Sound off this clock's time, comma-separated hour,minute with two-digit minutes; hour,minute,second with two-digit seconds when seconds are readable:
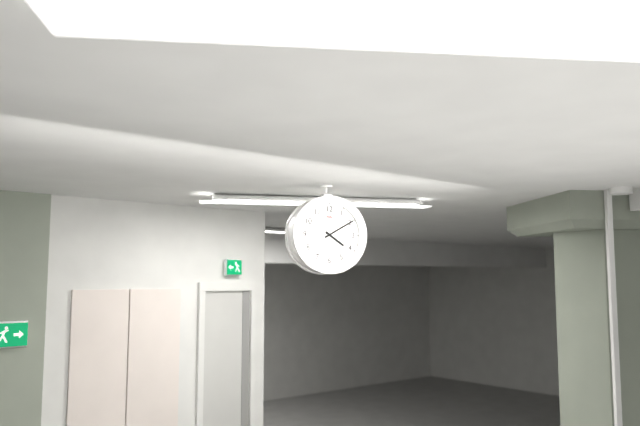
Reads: 4,10
